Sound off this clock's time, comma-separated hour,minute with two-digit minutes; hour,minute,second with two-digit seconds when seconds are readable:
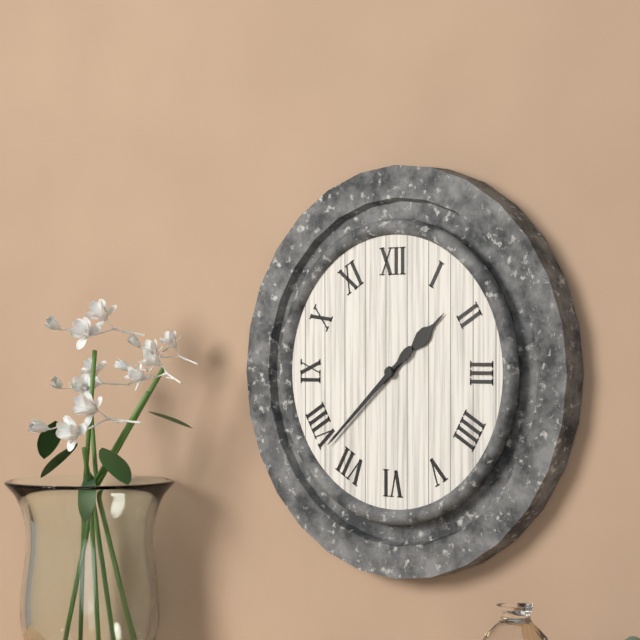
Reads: 1,38
